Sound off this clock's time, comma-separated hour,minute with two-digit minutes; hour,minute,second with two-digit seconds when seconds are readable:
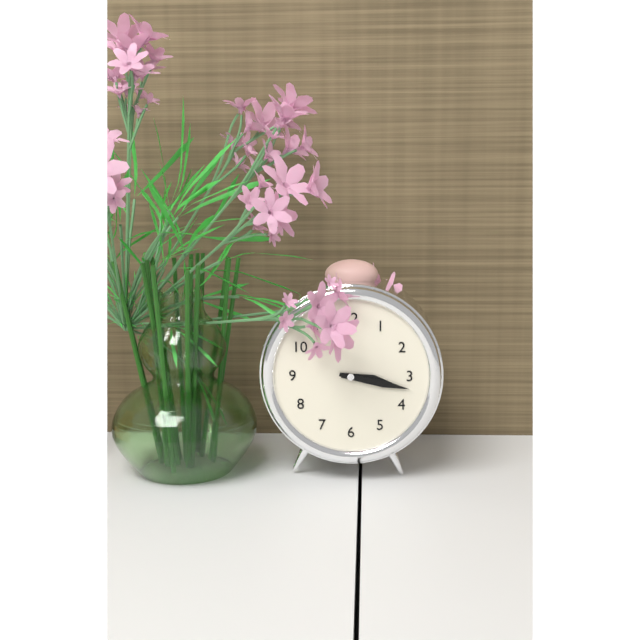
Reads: 3,17
